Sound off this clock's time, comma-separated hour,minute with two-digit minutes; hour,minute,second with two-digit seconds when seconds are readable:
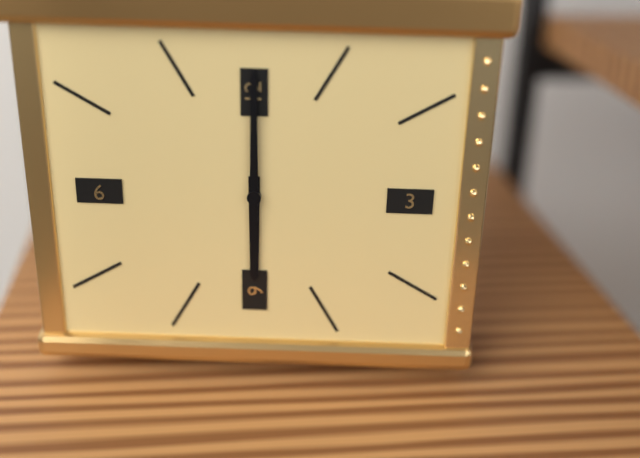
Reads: 6,00
